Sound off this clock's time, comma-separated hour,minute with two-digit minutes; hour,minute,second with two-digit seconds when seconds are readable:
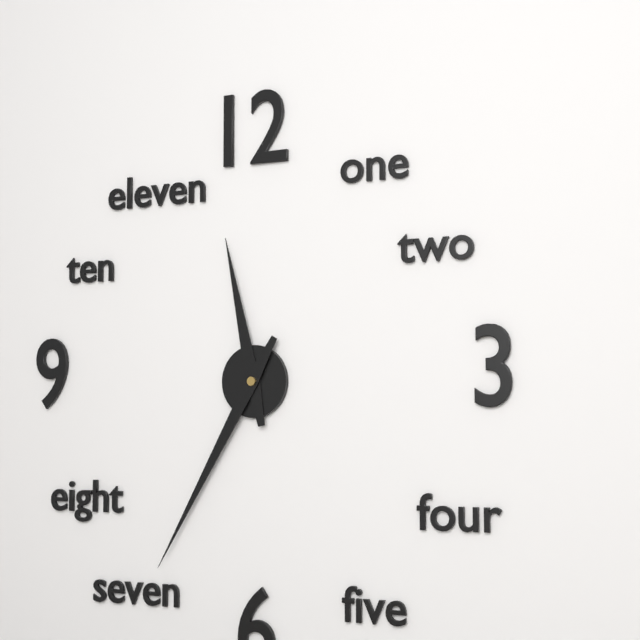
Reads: 11,35
